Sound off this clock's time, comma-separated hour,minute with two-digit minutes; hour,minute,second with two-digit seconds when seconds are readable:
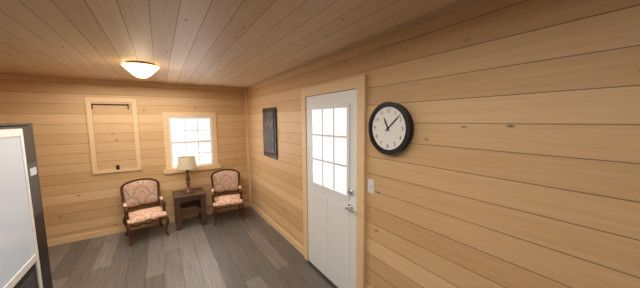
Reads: 11,08
